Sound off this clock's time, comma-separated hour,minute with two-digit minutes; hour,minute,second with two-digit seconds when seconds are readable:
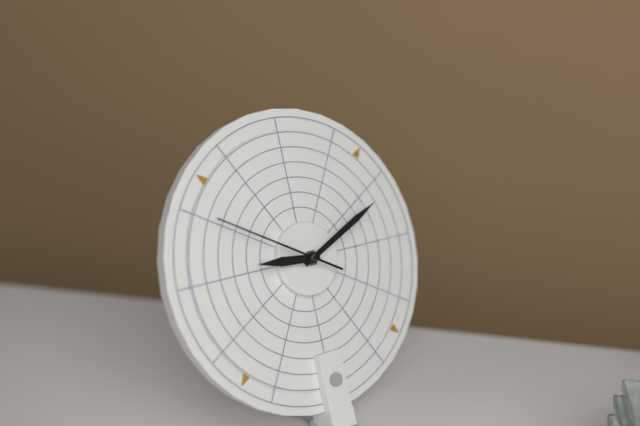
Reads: 9,11,50
